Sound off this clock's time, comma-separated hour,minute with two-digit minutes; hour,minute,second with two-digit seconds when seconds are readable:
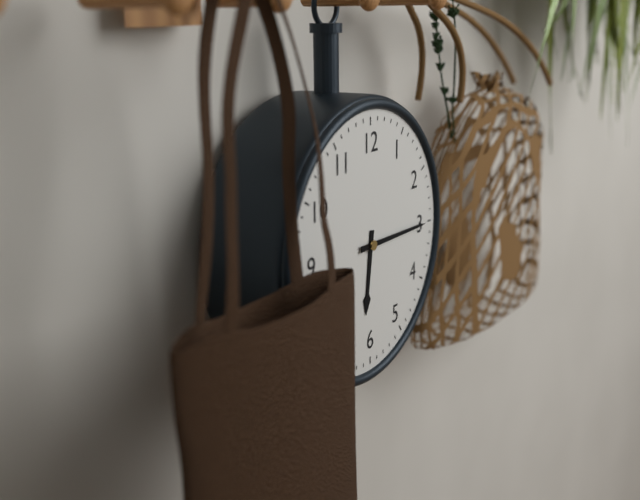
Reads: 6,15
